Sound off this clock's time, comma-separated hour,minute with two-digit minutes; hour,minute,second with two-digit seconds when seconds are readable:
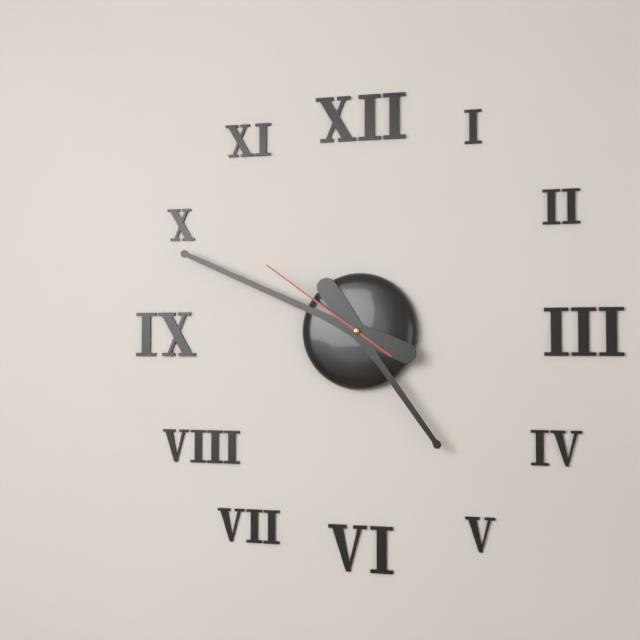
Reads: 4,49,51
